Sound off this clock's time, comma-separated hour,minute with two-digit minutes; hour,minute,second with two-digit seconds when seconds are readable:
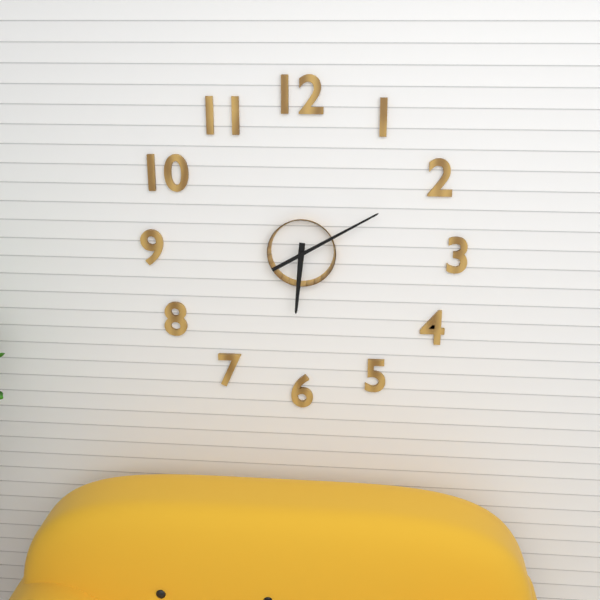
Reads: 6,10
